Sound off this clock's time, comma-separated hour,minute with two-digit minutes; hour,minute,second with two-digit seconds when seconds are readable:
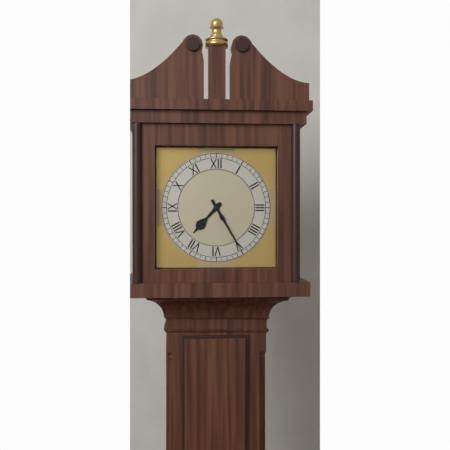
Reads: 7,25
